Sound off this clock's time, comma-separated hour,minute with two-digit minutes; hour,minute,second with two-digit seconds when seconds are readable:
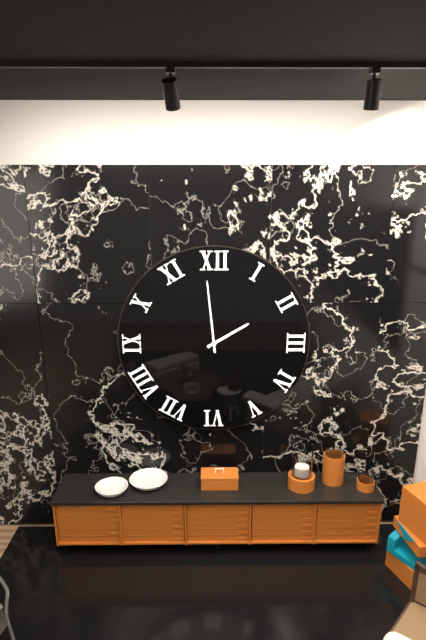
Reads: 1,59
